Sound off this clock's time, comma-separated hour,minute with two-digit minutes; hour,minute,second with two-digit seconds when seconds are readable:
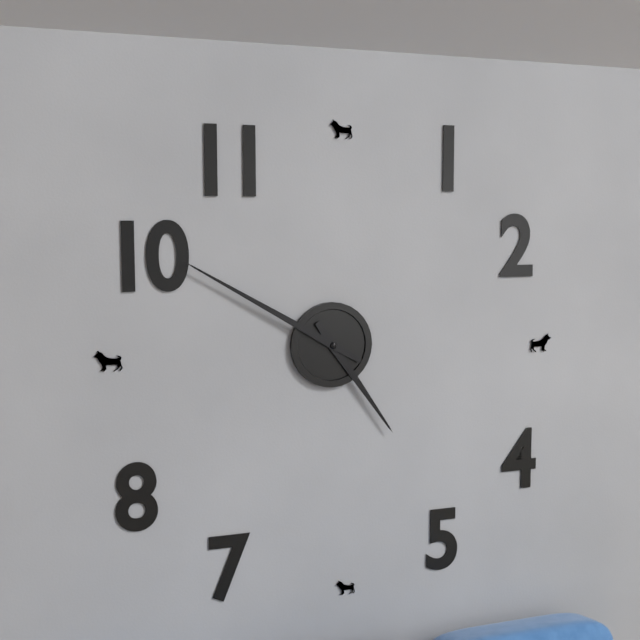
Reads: 4,50
